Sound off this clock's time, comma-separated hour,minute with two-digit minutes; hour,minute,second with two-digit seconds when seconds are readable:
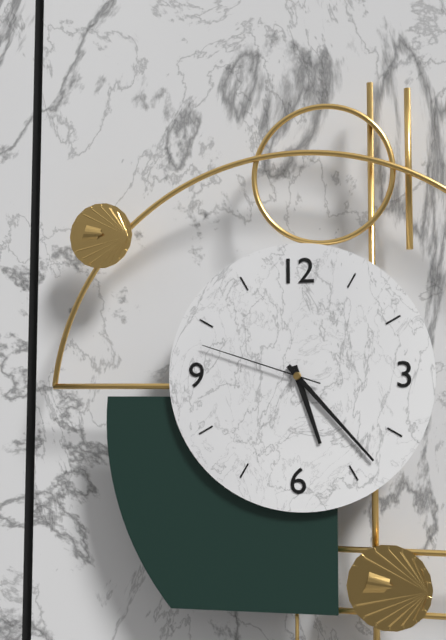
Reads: 5,23,48
